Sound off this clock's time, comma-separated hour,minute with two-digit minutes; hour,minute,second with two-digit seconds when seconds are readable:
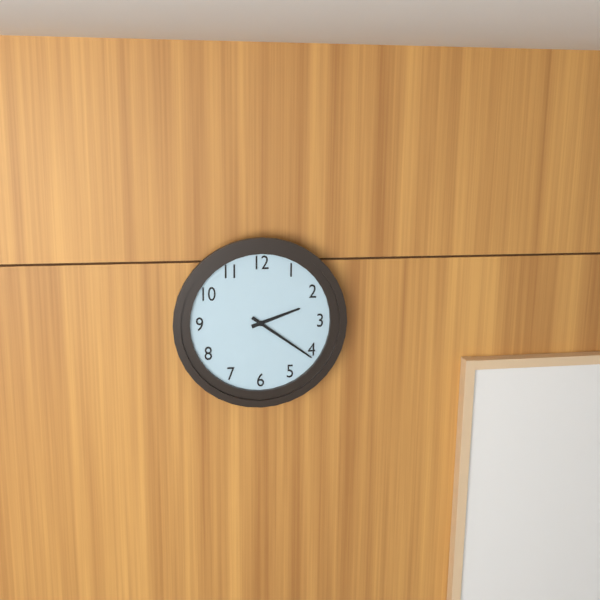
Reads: 2,21
